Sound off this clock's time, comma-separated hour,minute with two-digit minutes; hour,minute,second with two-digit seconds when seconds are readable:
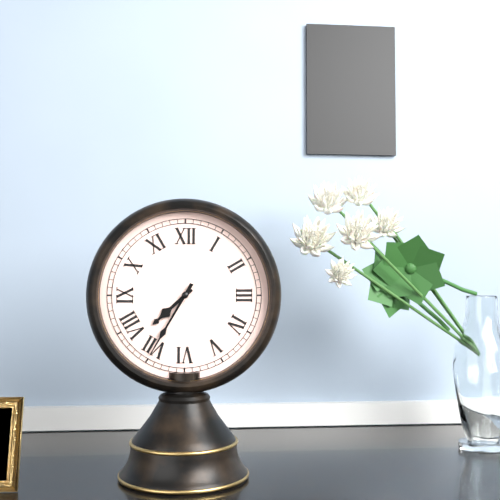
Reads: 7,35
